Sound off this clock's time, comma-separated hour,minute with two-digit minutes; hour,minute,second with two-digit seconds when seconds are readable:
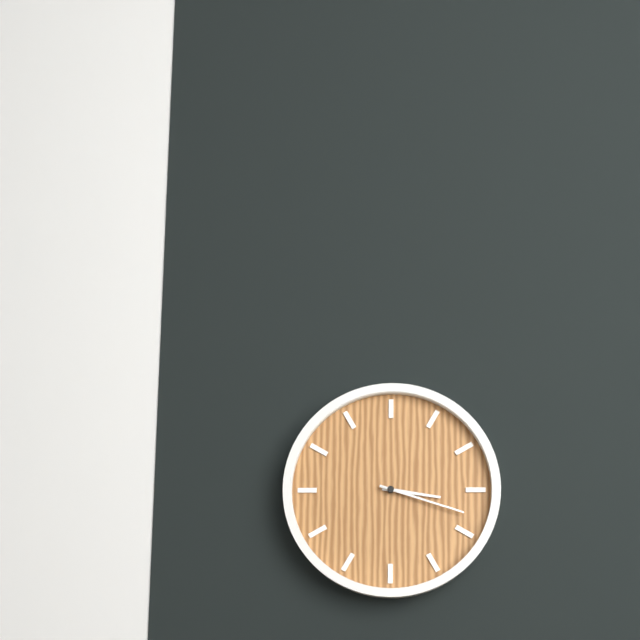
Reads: 3,18
